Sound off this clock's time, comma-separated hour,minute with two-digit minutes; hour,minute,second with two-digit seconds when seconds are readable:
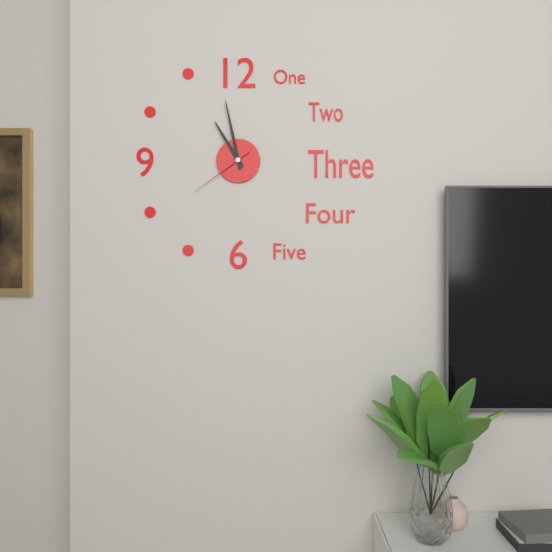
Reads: 10,58,39
